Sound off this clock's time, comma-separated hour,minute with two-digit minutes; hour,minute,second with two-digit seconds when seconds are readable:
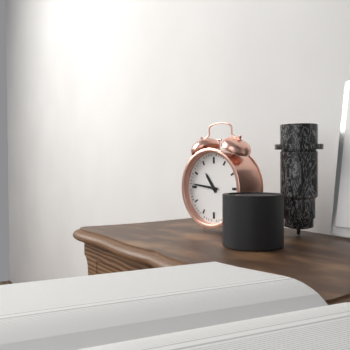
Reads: 10,46
